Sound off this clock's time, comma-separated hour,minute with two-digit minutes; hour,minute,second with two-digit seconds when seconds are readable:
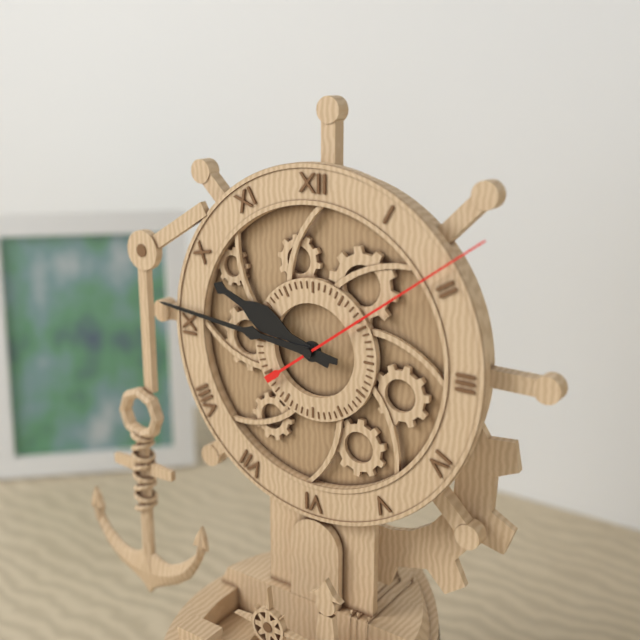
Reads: 9,46,09
